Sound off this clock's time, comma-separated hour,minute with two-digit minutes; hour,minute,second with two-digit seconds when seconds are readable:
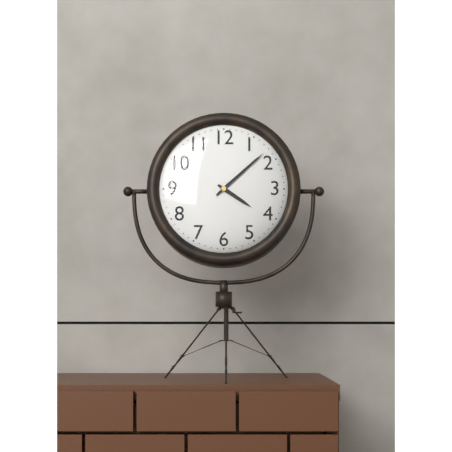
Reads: 4,08
